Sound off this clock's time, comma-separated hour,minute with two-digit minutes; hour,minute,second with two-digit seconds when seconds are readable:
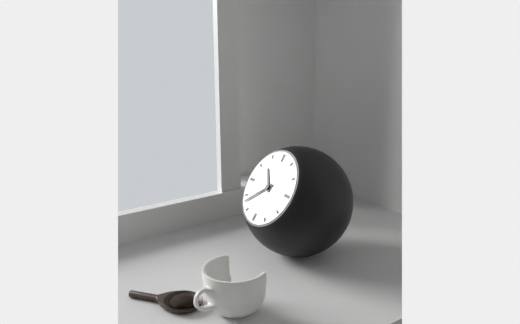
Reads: 10,38
